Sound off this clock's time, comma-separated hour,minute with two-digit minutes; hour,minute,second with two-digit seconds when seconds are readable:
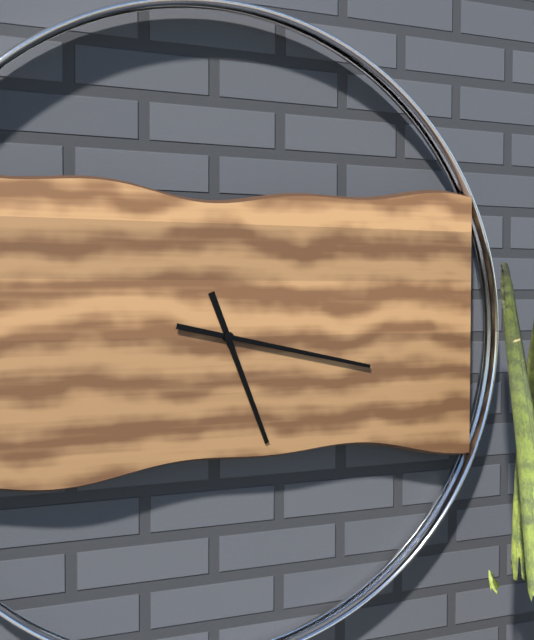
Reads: 5,17
